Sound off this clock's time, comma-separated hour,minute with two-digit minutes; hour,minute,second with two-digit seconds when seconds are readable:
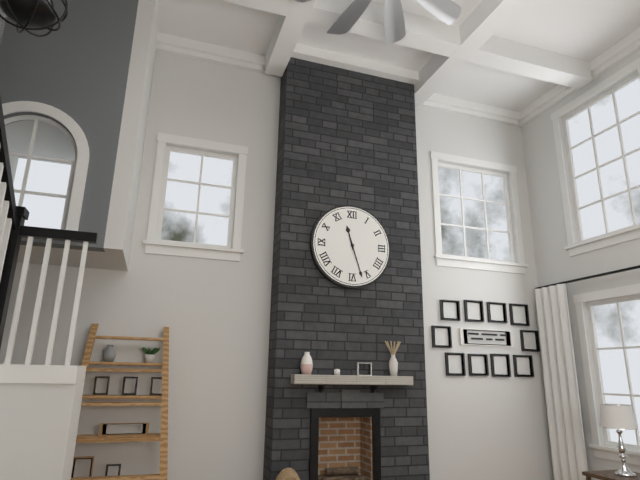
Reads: 11,27
